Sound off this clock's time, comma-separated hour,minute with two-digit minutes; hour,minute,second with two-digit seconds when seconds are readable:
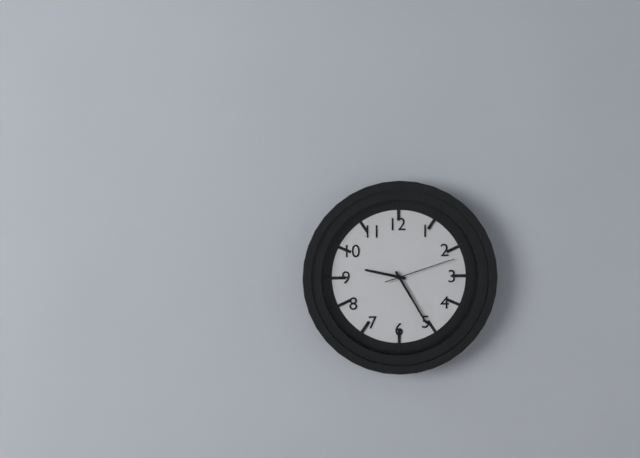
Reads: 9,25,12
